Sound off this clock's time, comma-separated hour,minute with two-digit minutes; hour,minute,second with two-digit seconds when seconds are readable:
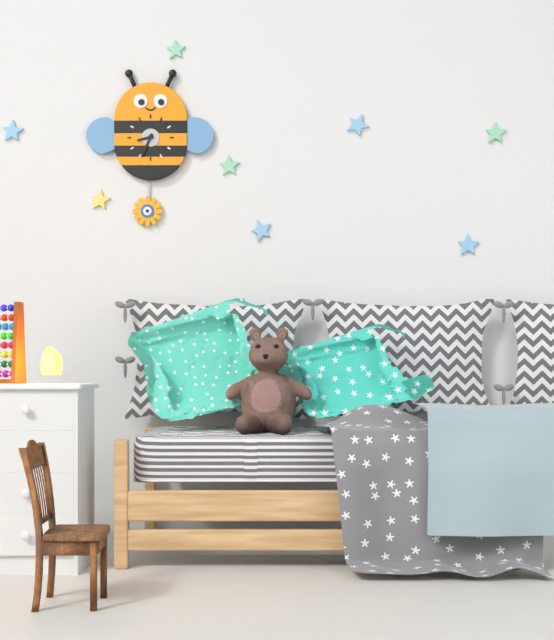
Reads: 8,34
